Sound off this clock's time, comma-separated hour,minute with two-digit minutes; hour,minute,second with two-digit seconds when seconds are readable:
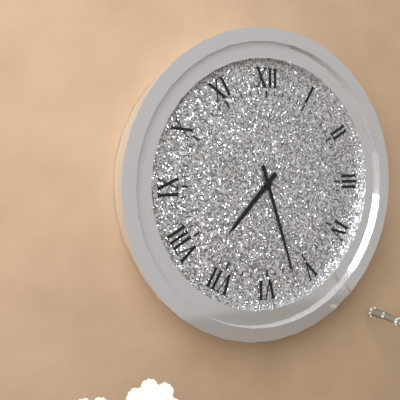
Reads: 7,27
